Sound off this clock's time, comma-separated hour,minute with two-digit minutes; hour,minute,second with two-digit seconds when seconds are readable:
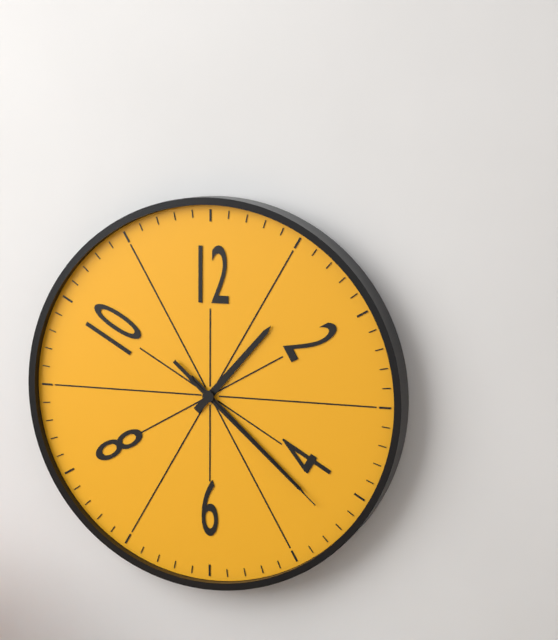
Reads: 1,22,22
